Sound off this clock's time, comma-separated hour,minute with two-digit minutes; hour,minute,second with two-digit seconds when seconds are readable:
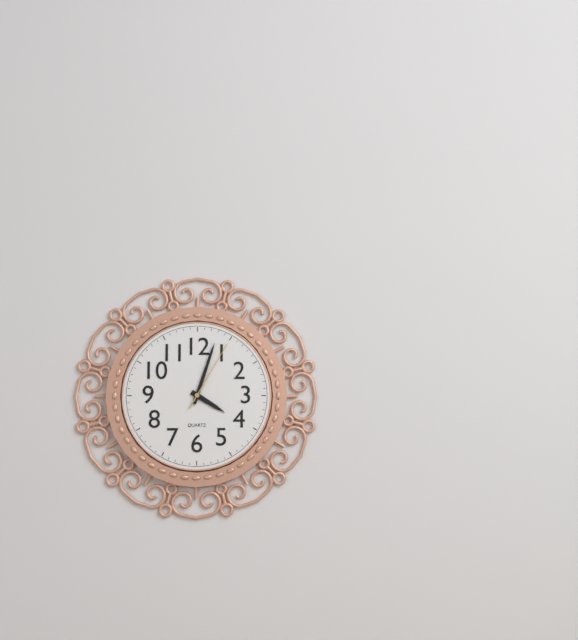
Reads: 4,03,05
